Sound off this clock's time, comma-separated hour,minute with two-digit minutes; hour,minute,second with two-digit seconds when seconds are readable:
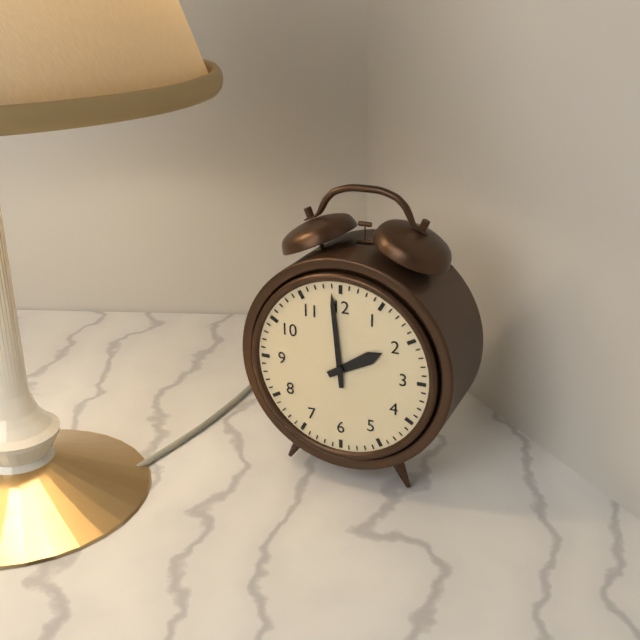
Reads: 1,59
